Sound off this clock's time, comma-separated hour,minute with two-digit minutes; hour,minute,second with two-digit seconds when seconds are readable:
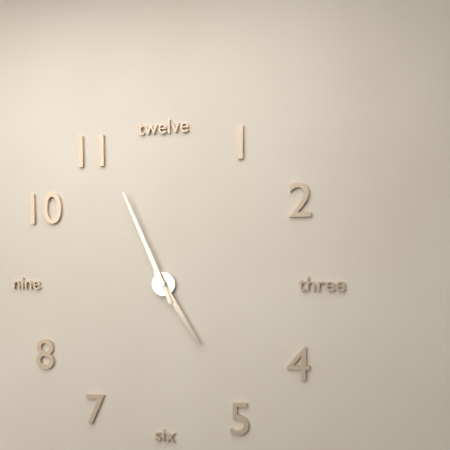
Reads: 4,56
